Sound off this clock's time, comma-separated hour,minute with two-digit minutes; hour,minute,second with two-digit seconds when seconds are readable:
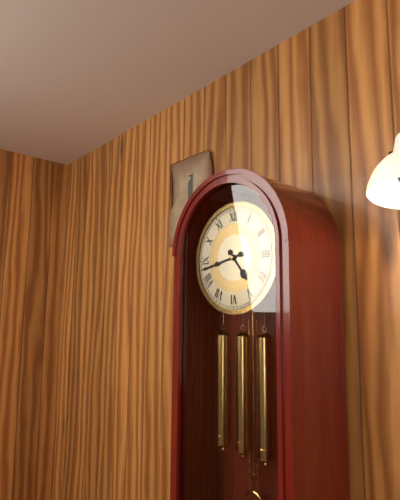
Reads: 4,43
